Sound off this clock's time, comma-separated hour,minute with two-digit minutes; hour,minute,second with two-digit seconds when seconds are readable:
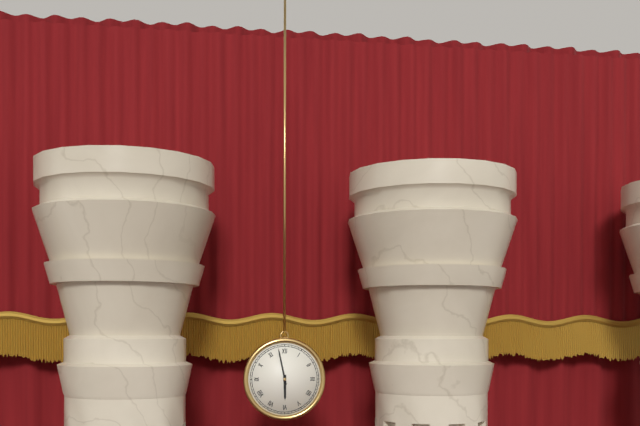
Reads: 5,58
